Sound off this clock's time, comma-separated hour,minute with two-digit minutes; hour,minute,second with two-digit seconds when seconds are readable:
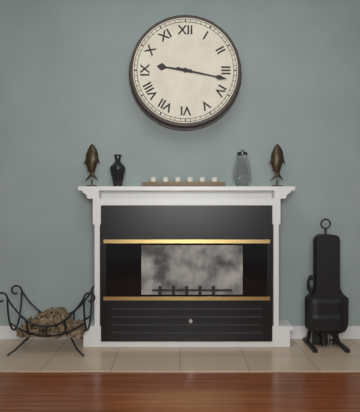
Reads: 9,17
